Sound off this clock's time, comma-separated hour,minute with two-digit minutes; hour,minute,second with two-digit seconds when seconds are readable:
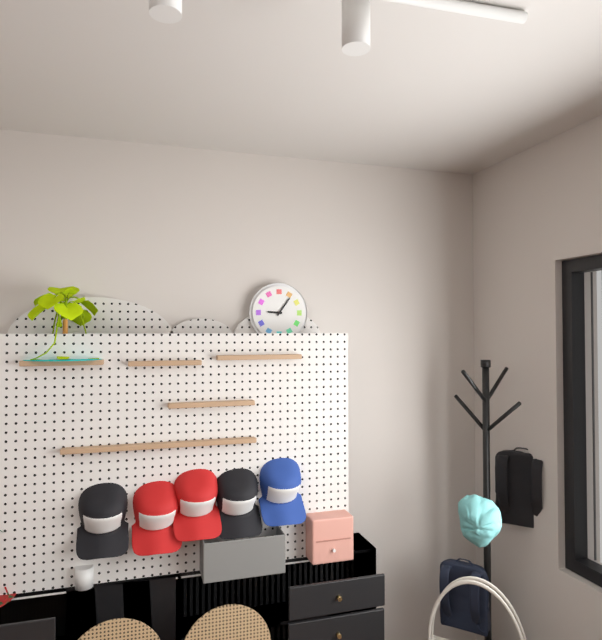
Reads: 9,06
